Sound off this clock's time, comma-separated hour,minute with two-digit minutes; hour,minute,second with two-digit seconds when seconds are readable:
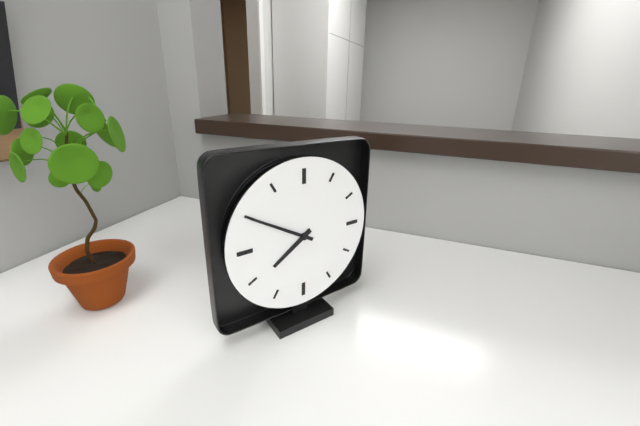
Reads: 7,50
